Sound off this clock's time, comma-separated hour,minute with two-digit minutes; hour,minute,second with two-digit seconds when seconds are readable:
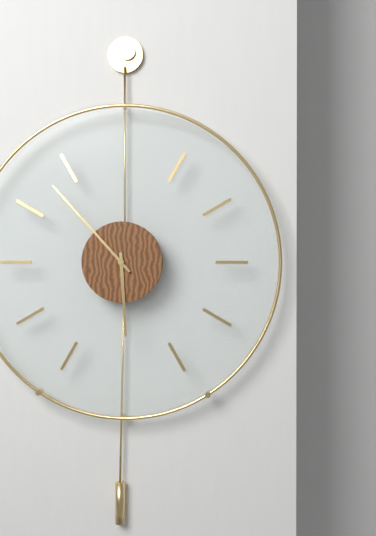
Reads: 5,53
